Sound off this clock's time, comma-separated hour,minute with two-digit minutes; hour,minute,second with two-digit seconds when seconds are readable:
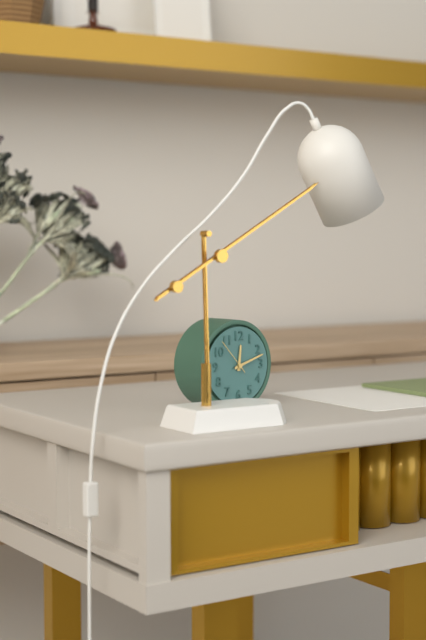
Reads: 12,12
